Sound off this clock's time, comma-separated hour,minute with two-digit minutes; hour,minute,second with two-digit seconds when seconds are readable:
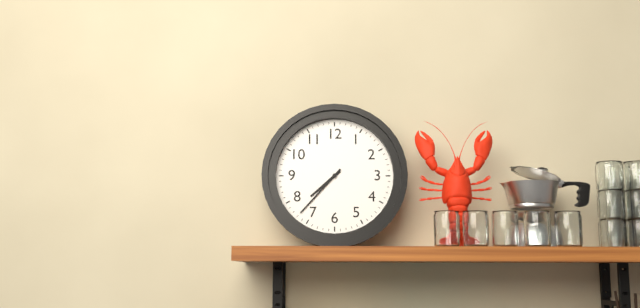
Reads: 7,37
